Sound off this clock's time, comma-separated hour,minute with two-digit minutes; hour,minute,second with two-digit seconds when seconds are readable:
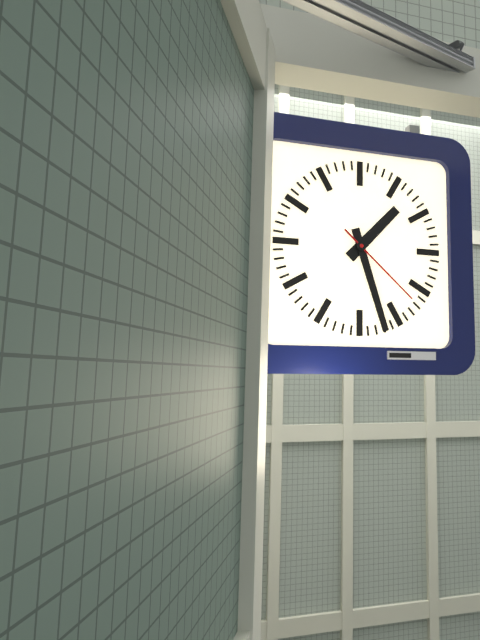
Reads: 1,27,22
